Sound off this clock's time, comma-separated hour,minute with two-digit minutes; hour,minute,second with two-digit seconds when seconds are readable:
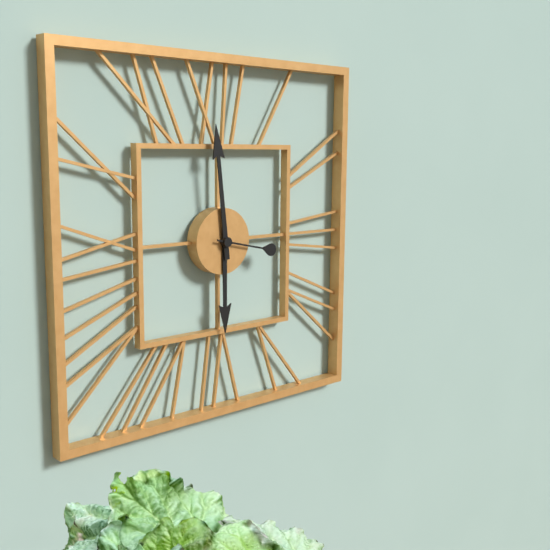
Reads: 5,59,17
